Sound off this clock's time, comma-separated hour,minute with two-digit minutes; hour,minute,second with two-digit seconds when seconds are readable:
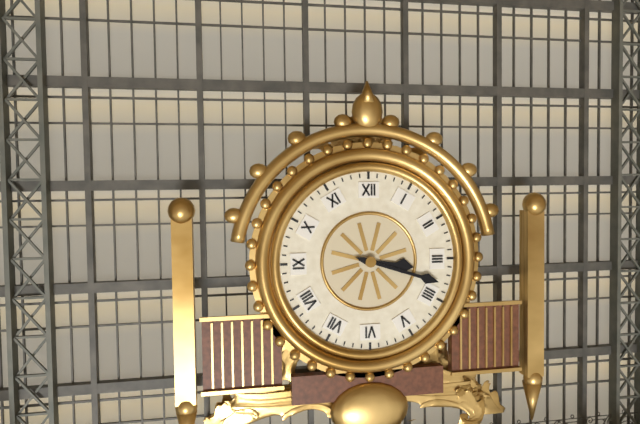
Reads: 3,18
